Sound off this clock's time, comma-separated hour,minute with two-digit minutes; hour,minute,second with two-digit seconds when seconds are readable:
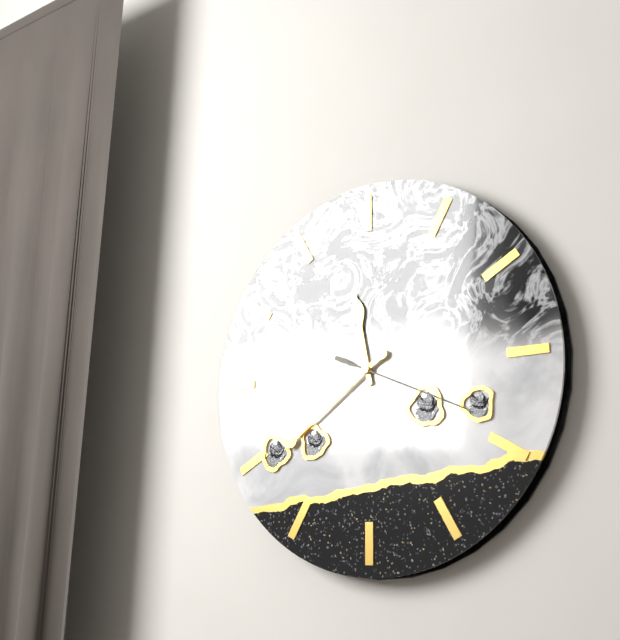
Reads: 11,39,19
